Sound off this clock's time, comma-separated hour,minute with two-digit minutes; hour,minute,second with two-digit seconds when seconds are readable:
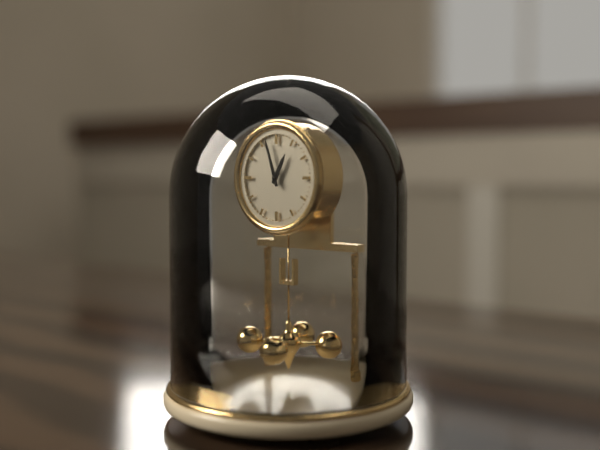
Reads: 12,57
